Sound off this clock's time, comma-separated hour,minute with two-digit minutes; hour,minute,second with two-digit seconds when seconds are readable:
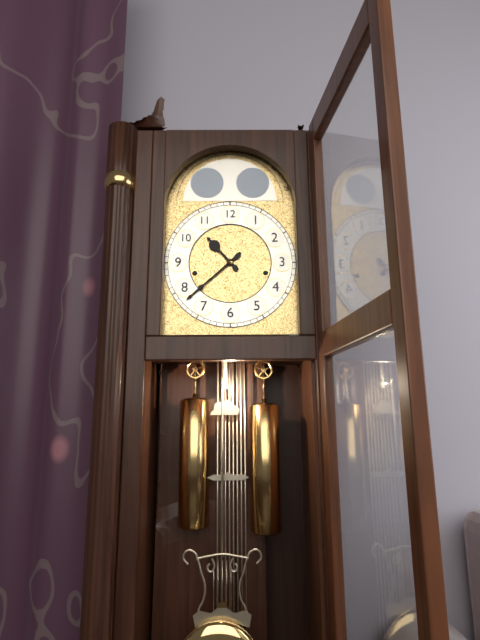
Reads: 10,38
